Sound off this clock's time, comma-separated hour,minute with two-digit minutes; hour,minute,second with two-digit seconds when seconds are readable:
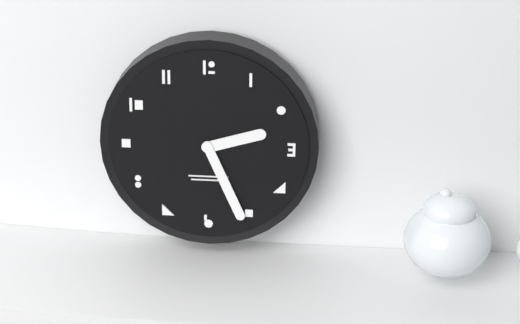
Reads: 2,26
